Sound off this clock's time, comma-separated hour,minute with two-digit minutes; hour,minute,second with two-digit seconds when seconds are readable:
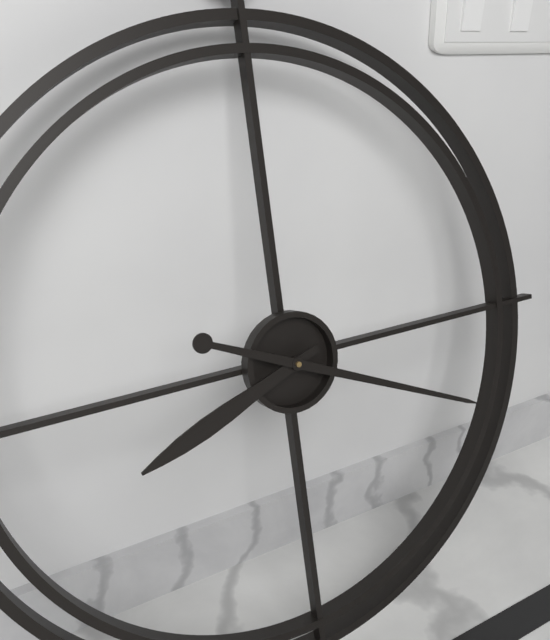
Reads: 8,19
